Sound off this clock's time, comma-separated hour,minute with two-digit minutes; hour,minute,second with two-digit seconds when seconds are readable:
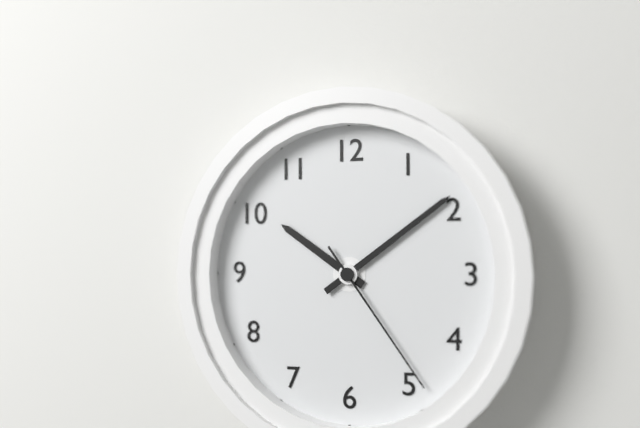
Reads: 10,09,24
